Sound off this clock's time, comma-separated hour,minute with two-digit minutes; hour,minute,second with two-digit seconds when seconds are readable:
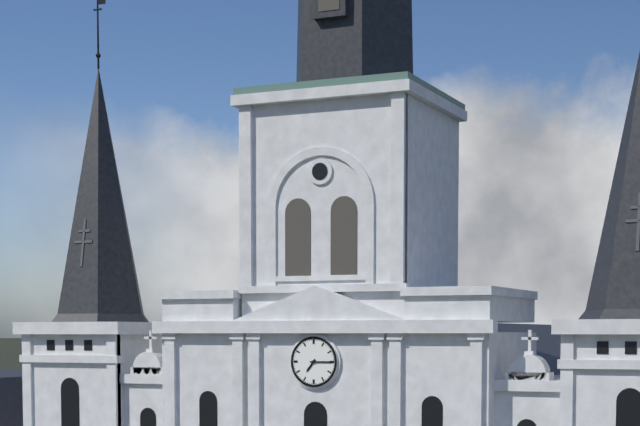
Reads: 7,15
